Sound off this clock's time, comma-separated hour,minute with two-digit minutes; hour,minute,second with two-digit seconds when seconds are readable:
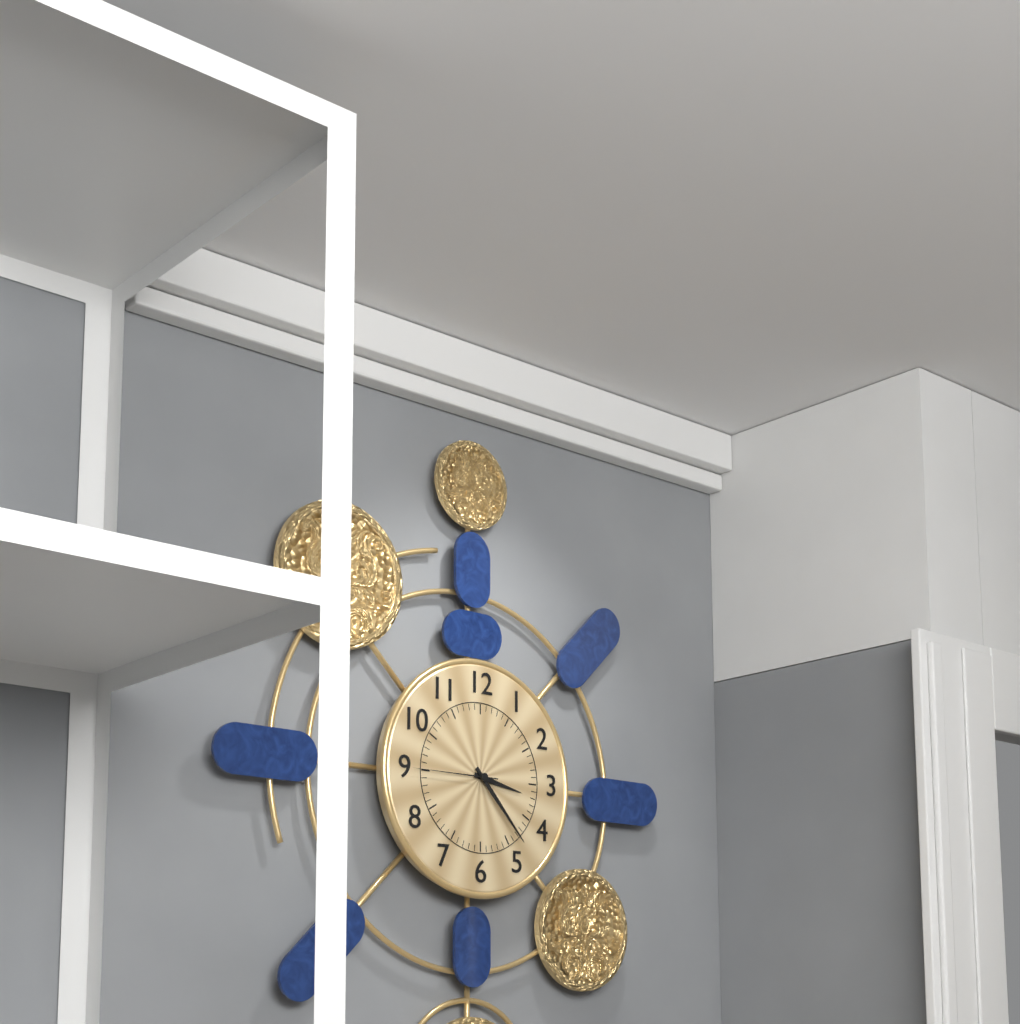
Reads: 3,23,45
